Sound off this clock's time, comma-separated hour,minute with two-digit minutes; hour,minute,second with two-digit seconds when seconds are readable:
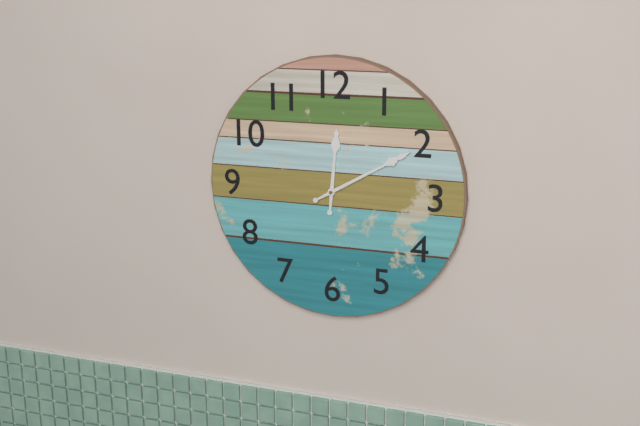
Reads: 12,10
